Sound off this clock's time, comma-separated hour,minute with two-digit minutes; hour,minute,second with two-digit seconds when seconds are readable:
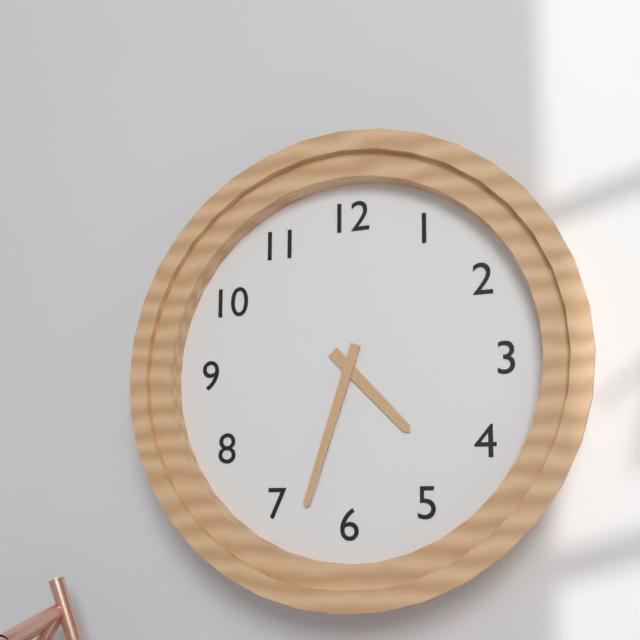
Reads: 4,33
